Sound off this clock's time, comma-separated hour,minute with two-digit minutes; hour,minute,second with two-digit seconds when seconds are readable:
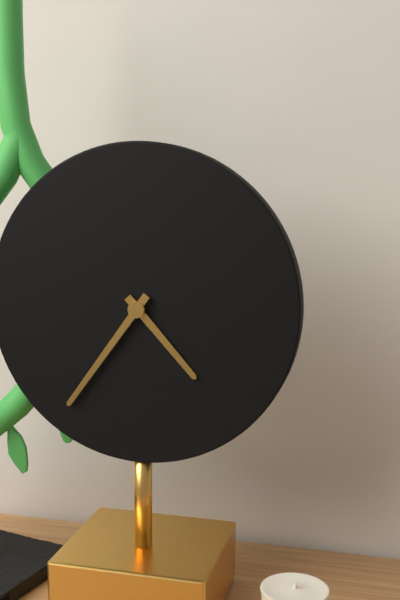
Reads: 4,36
